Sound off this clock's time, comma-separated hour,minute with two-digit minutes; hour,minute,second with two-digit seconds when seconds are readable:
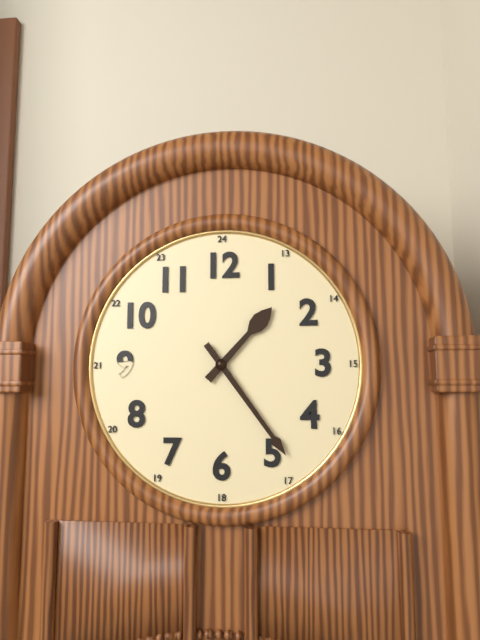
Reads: 1,24
